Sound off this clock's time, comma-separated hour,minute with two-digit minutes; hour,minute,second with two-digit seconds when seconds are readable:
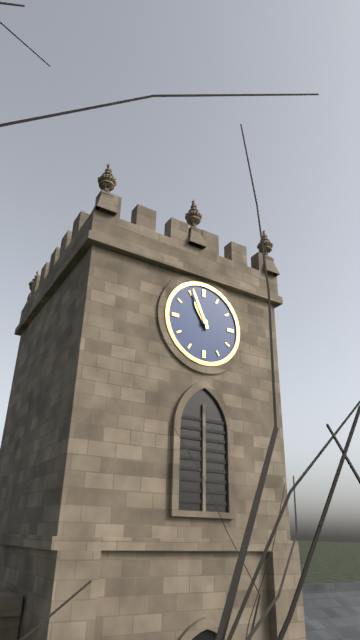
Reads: 10,56
